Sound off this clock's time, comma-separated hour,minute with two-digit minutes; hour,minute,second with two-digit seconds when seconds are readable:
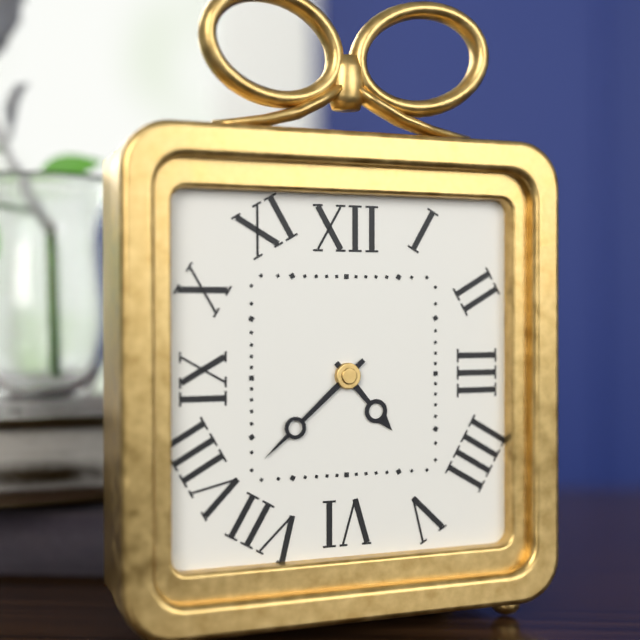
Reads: 4,38
